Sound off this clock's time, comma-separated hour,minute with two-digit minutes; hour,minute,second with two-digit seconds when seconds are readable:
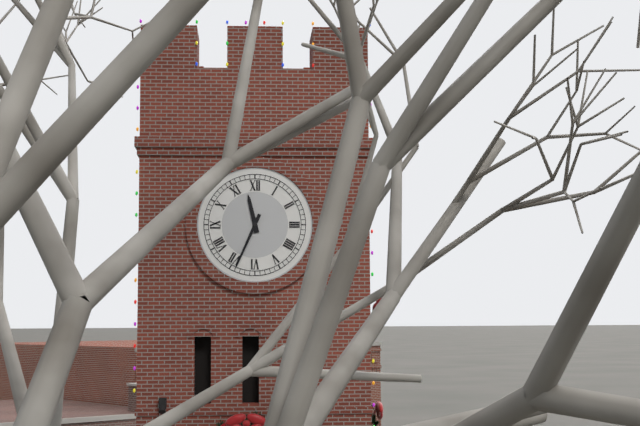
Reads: 11,34
